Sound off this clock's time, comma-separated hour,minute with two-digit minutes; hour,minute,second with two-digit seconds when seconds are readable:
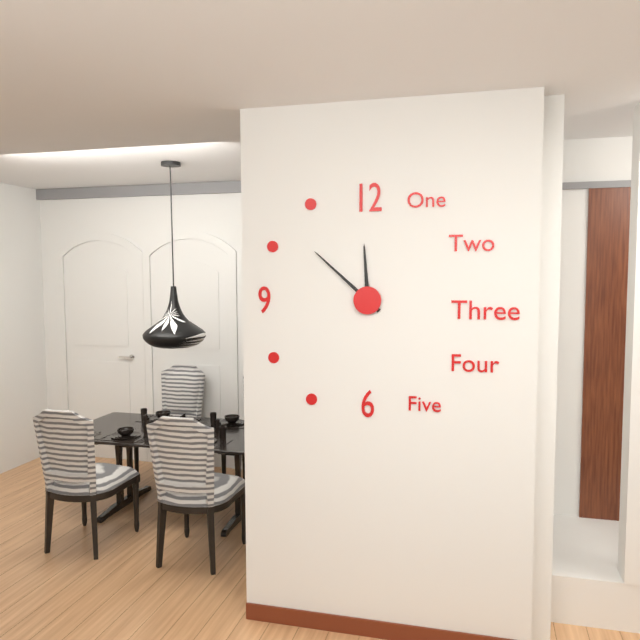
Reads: 11,52
